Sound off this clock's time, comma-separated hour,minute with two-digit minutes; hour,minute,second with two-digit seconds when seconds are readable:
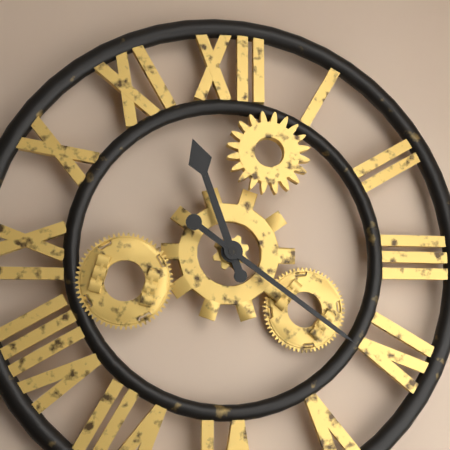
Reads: 11,21
